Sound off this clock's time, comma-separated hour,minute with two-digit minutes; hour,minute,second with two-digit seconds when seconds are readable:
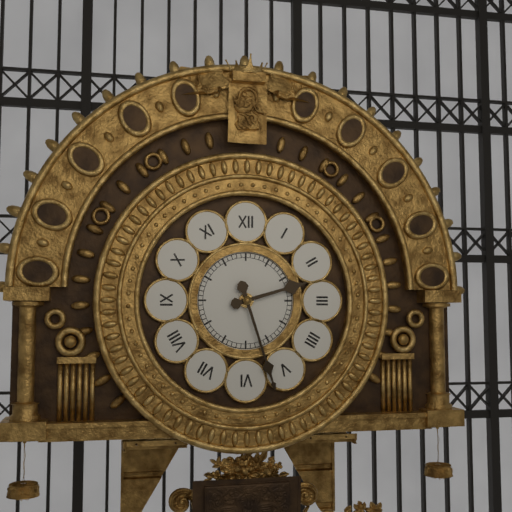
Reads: 2,27
